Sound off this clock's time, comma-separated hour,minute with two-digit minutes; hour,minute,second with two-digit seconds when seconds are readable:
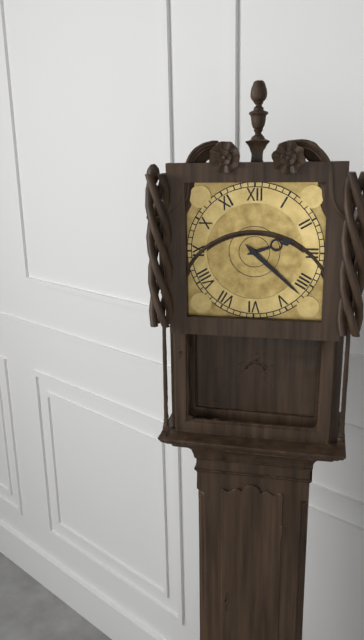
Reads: 2,22
